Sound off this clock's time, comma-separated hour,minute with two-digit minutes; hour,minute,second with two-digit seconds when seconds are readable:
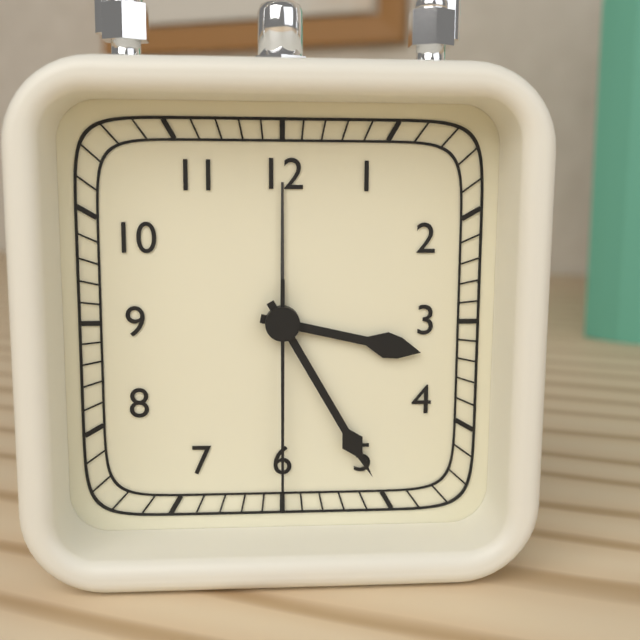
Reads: 3,25,30
